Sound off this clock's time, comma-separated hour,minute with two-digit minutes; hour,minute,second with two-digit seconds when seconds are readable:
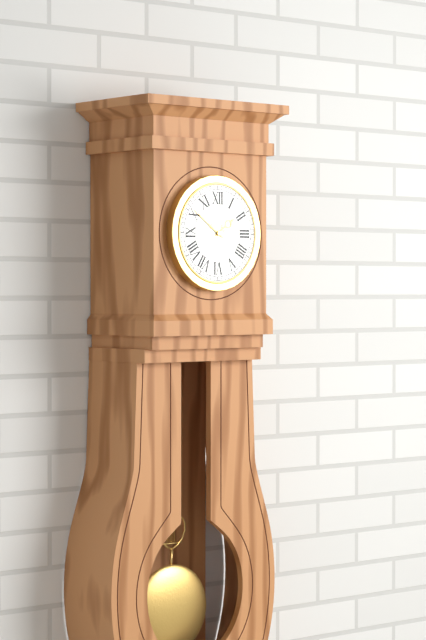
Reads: 1,51
